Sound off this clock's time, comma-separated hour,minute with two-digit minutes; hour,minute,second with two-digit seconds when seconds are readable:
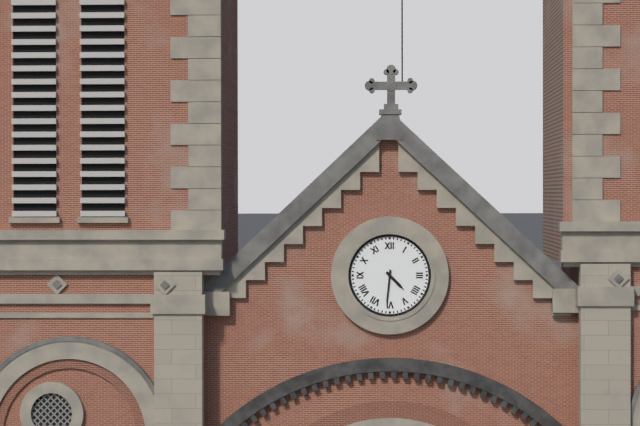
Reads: 4,31
